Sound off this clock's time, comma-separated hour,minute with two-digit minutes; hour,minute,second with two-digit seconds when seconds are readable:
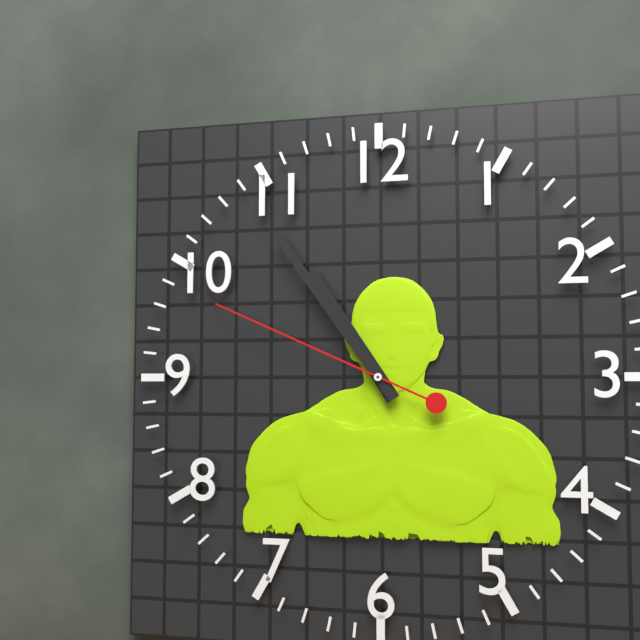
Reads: 10,54,49
